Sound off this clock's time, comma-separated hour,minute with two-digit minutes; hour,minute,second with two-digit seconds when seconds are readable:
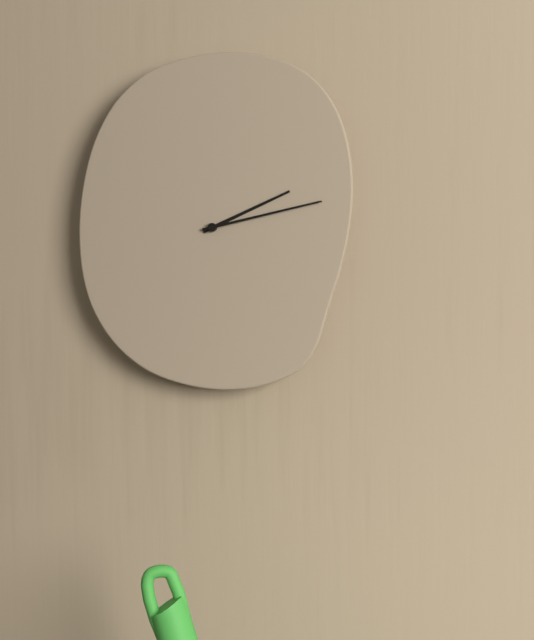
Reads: 2,13
